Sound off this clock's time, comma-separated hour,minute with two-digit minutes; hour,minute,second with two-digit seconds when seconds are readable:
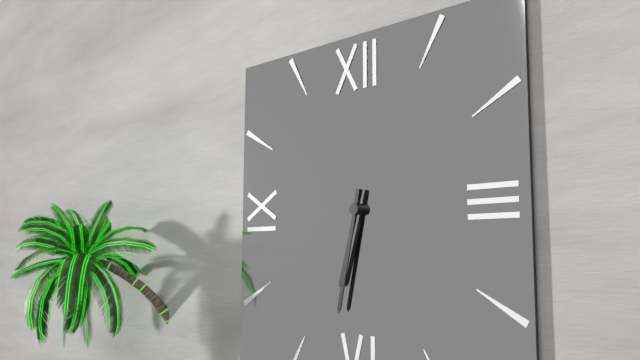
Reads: 6,32
